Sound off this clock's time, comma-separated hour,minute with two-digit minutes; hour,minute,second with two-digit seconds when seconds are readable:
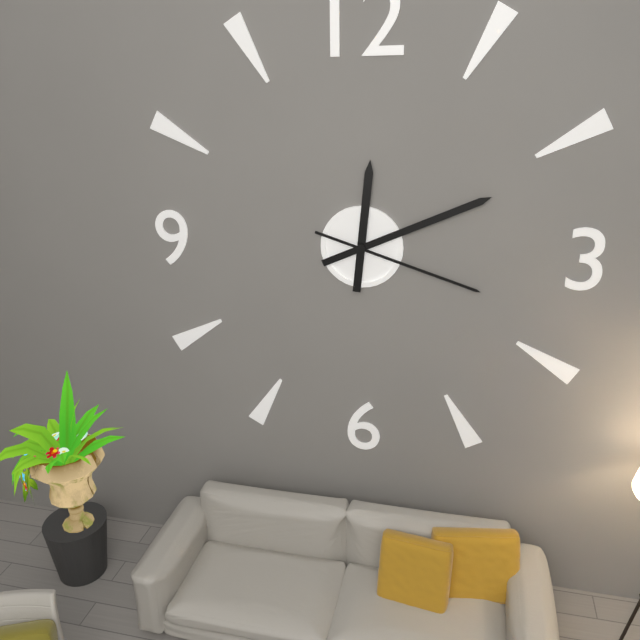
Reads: 12,11,18
